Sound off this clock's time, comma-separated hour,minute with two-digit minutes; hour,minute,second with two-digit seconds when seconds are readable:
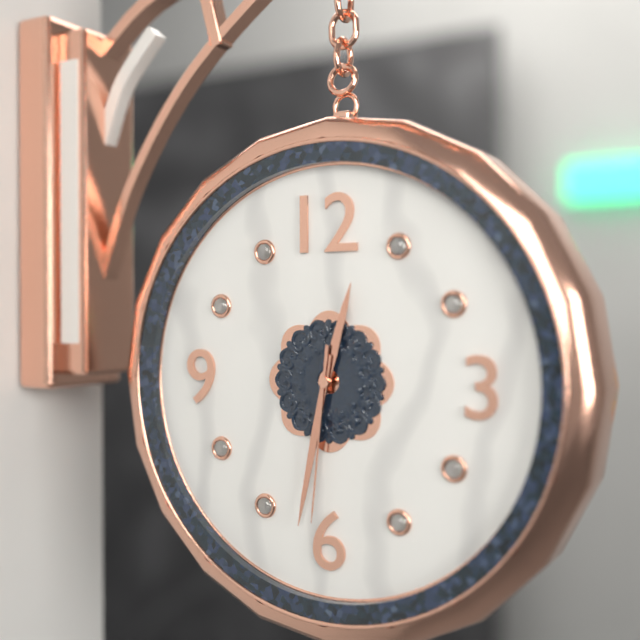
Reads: 12,32,31
